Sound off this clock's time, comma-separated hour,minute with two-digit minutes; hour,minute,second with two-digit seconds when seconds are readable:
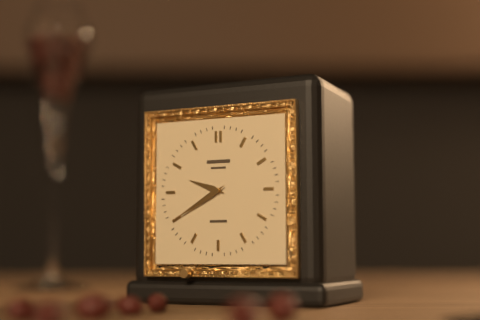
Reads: 9,40
